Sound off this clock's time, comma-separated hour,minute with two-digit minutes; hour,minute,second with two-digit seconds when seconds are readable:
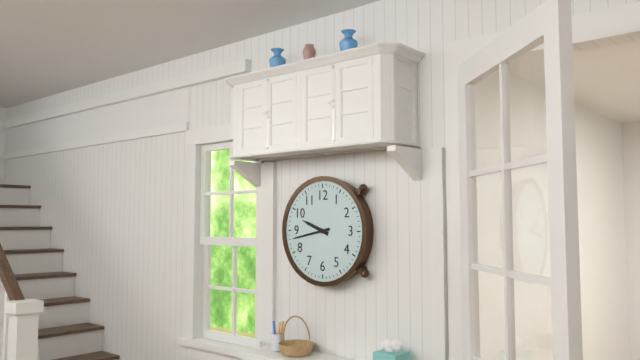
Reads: 9,43
